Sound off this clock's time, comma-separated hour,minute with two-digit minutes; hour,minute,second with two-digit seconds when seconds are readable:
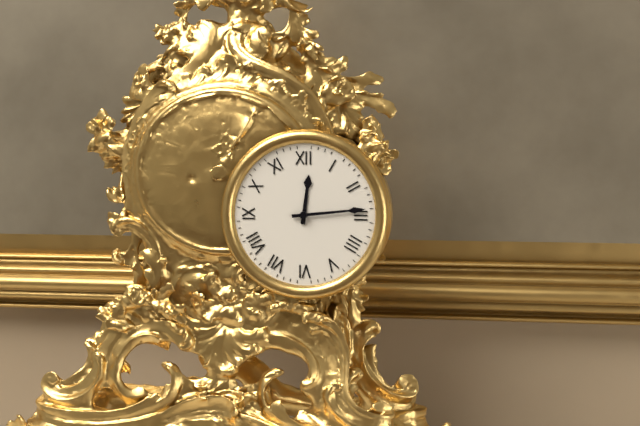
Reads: 12,14
